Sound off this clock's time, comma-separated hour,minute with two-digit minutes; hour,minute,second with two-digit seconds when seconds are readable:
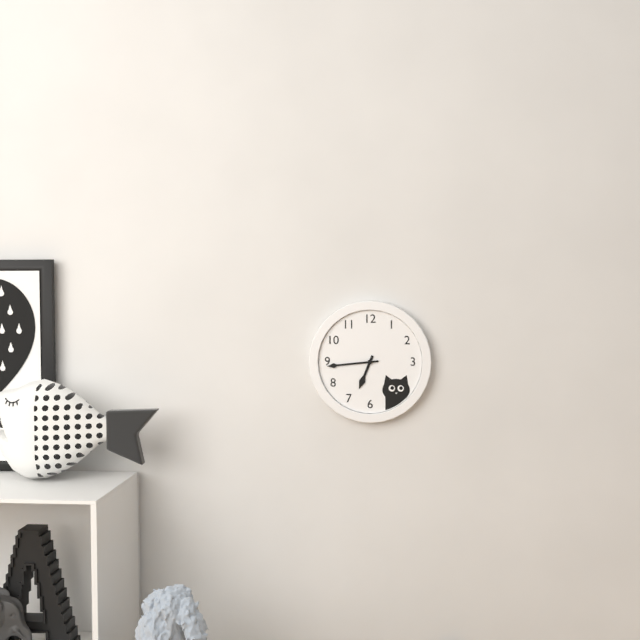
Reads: 6,44
